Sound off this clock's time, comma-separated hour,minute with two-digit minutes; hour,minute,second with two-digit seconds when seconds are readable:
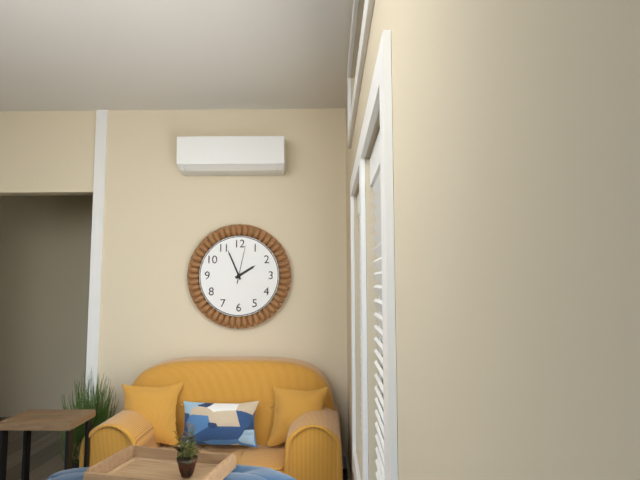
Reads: 1,56
